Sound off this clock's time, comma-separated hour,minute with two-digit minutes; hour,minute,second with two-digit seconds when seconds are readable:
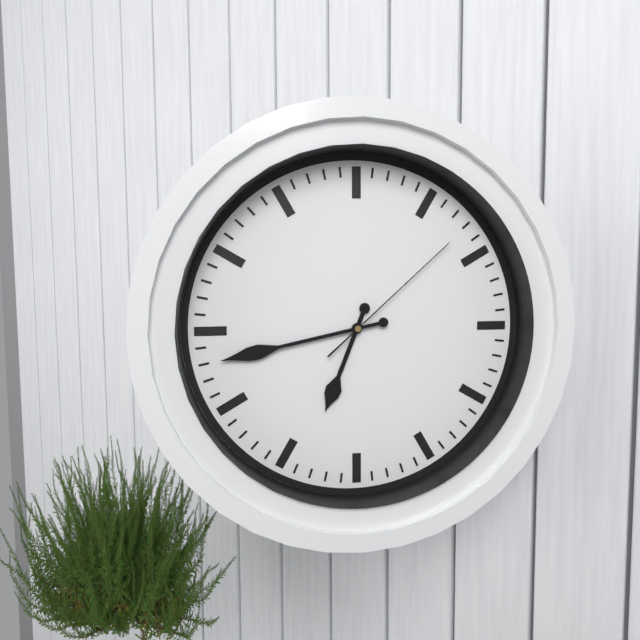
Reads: 6,43,08
